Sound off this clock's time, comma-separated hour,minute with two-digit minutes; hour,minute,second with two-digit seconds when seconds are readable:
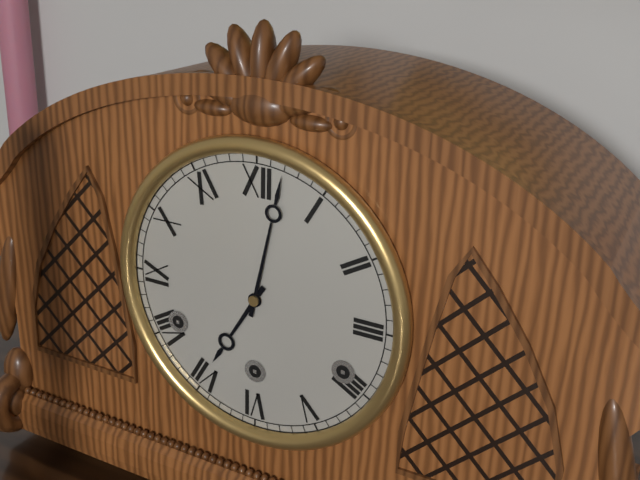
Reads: 7,02
